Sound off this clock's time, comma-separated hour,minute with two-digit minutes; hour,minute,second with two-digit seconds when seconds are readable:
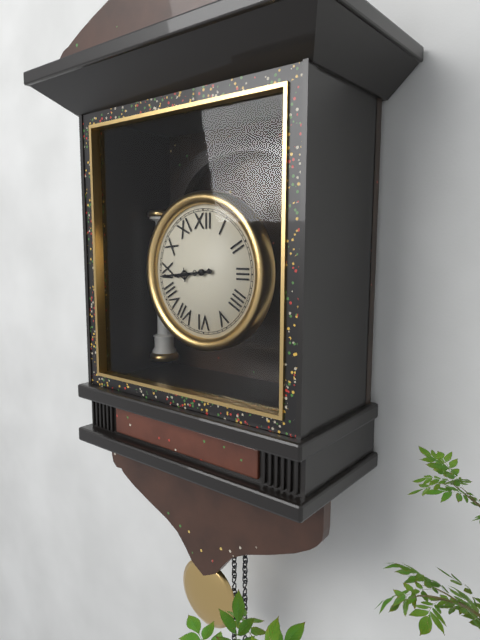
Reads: 8,44
